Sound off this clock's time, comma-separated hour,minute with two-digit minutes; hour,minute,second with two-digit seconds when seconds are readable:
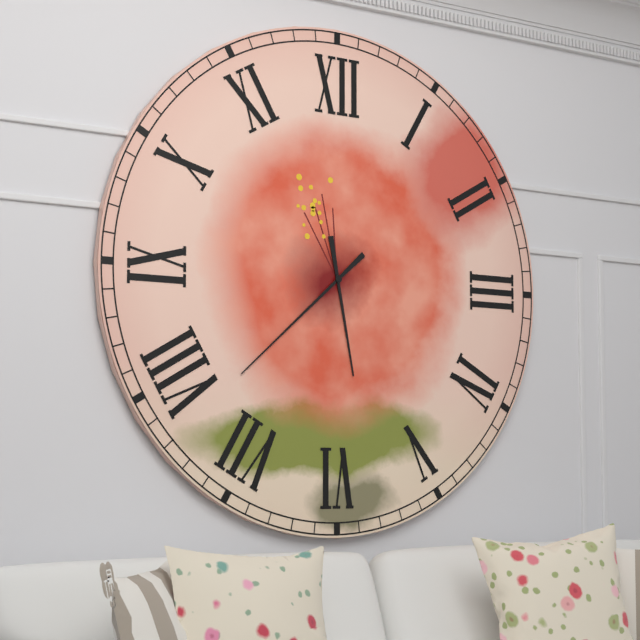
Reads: 5,38
